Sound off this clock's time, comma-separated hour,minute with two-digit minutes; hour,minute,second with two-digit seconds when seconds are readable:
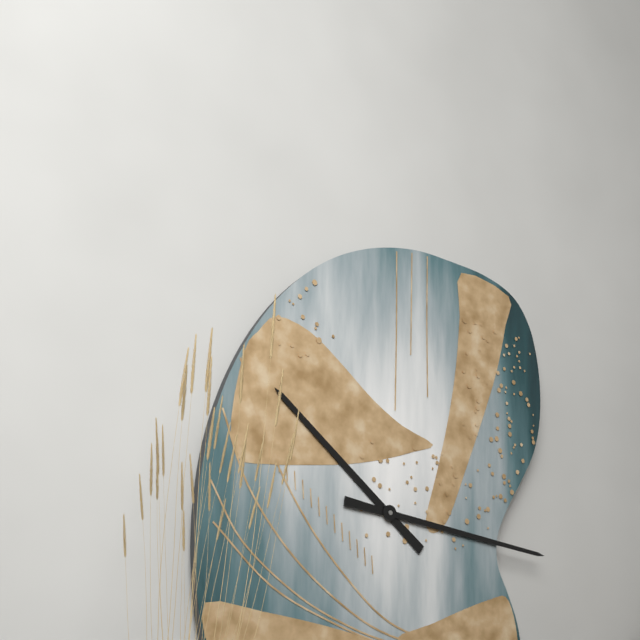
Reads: 10,16
